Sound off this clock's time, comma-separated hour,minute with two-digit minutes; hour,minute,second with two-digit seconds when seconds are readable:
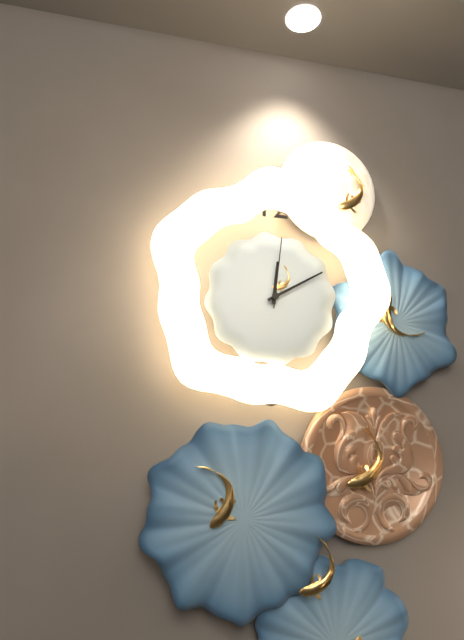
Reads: 12,10,01
